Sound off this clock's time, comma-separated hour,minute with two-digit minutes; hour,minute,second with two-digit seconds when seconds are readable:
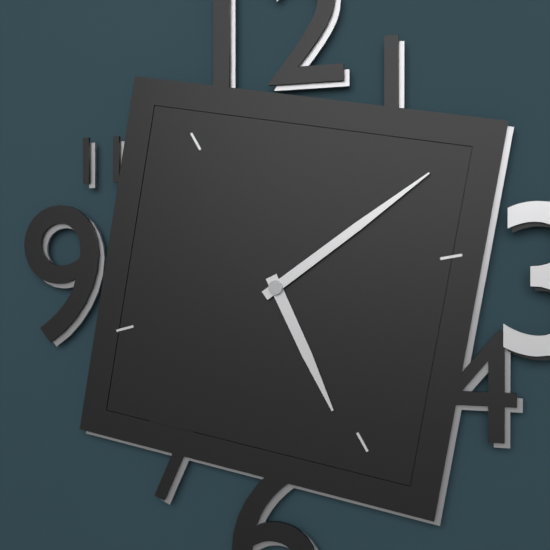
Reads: 5,09
